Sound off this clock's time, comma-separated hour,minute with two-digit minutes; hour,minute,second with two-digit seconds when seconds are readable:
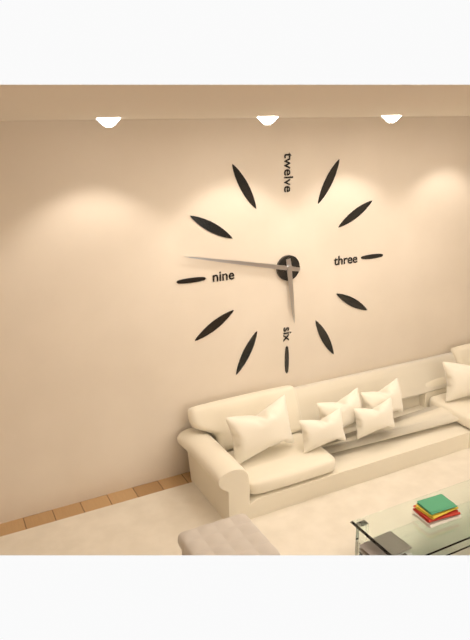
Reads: 5,47
